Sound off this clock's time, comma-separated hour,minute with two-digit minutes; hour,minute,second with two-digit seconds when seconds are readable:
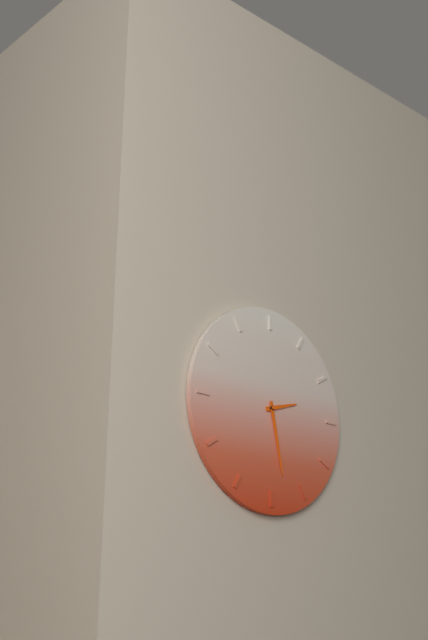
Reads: 2,28
